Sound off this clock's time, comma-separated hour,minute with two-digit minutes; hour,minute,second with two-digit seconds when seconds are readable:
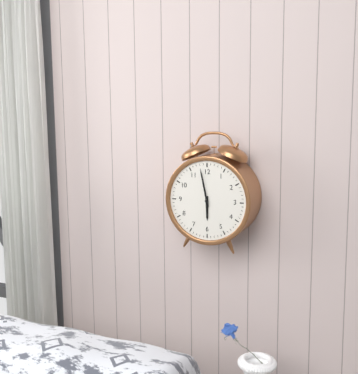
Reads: 5,58
